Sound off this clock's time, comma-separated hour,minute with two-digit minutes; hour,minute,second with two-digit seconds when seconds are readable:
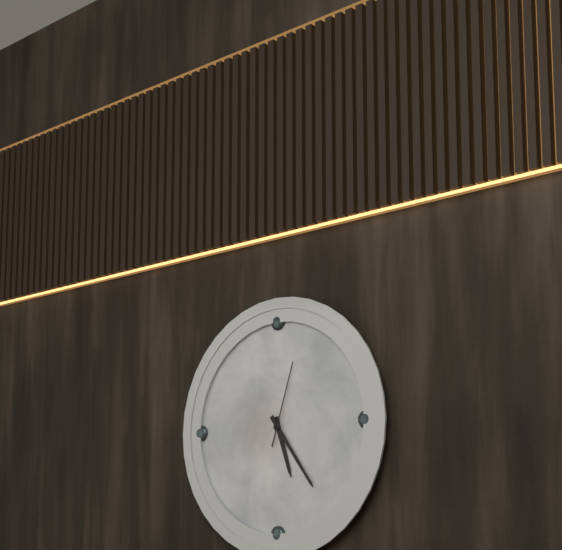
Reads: 5,24,03
